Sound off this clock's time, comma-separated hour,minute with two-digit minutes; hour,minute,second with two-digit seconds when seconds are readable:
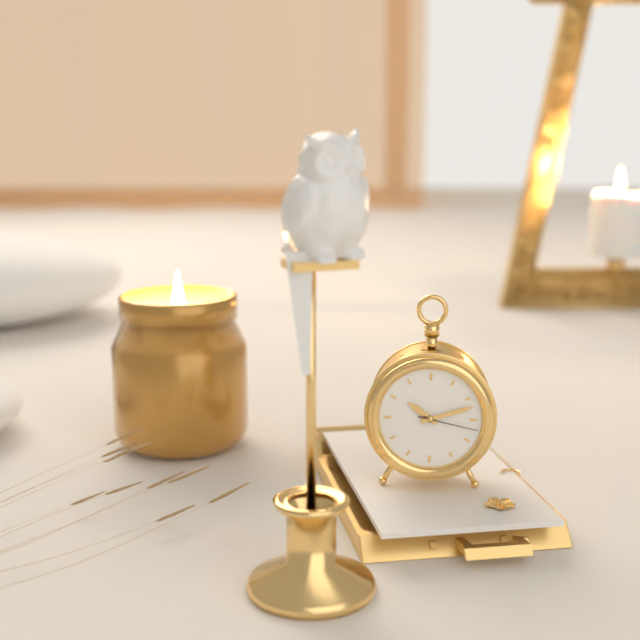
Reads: 10,12,17
